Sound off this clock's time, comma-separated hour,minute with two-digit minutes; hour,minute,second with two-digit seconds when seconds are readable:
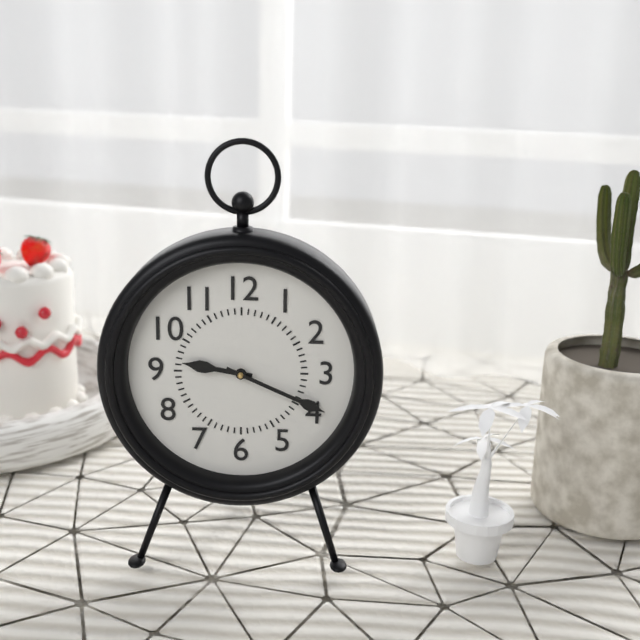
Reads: 9,19
